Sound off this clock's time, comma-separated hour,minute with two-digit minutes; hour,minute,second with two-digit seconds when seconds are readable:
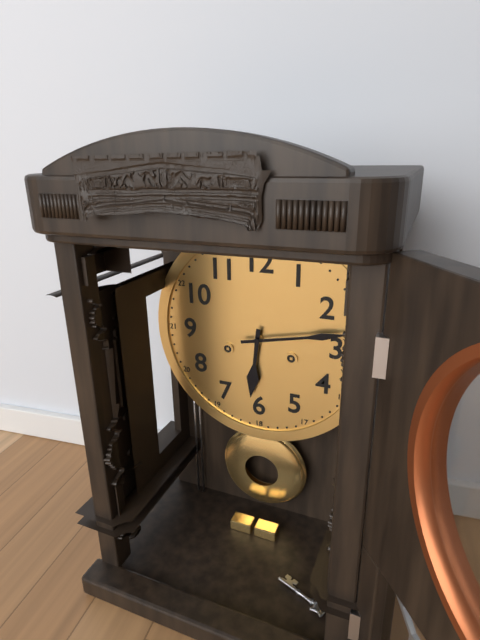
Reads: 6,13
